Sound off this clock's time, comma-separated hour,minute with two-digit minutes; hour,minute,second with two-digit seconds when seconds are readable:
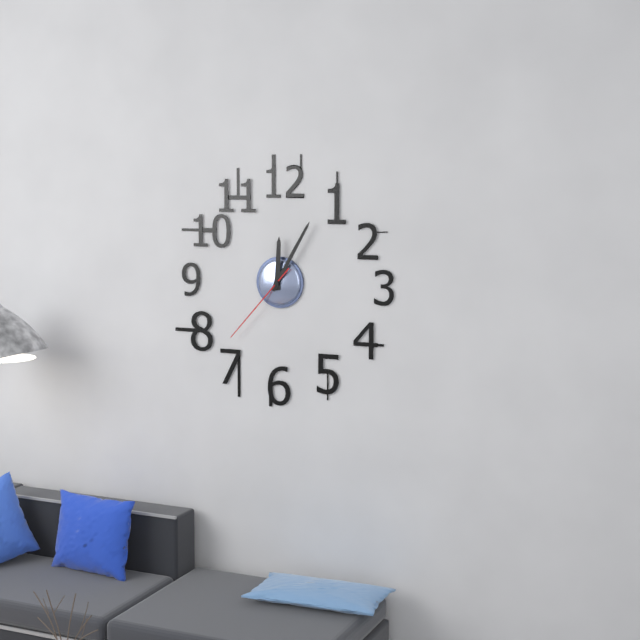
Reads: 12,05,37
